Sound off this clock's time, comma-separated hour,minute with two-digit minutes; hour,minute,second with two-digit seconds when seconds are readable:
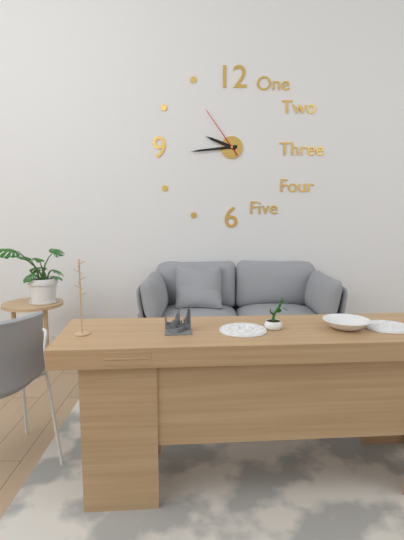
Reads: 9,44,54
